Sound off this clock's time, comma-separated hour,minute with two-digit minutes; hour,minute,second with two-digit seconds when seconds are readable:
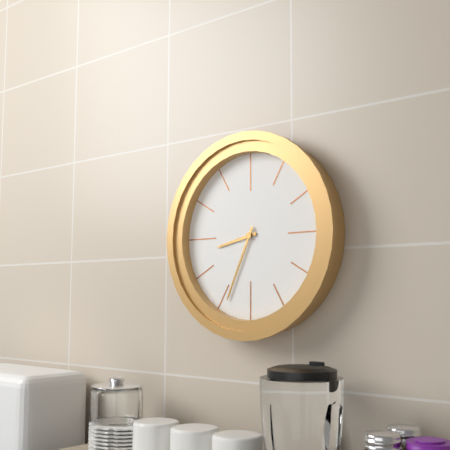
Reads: 8,34
